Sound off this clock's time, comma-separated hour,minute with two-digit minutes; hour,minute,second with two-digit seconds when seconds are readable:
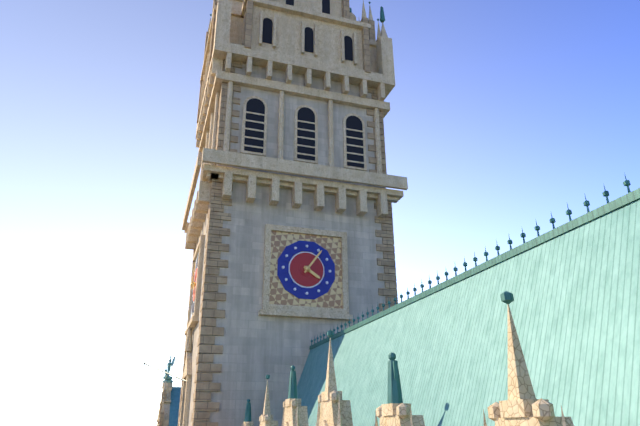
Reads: 4,06
